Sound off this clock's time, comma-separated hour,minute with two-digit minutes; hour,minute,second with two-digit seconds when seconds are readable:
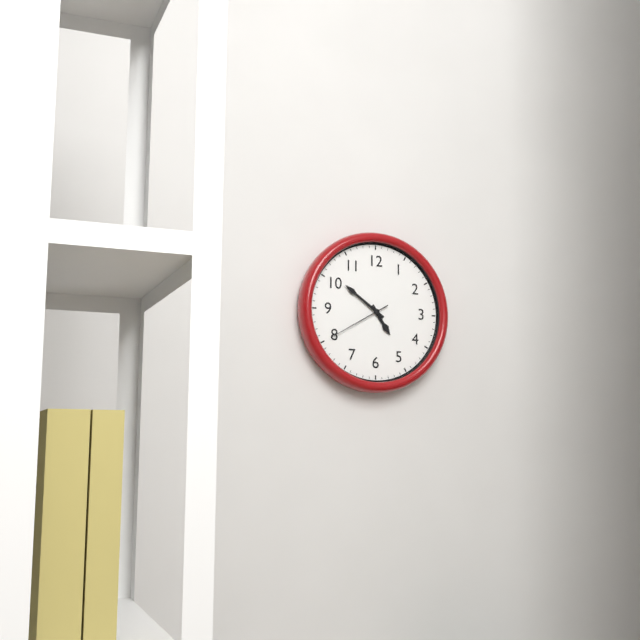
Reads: 4,51,40
